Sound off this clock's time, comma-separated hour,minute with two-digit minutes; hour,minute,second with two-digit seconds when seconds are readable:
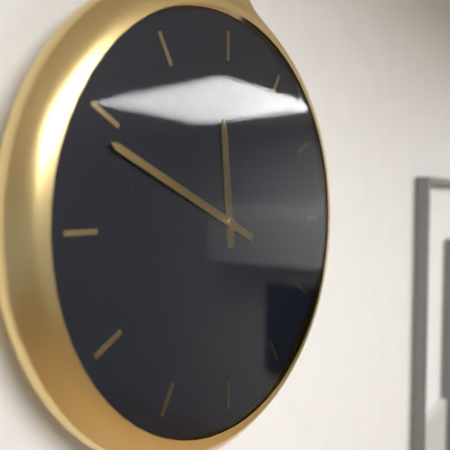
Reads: 11,49
